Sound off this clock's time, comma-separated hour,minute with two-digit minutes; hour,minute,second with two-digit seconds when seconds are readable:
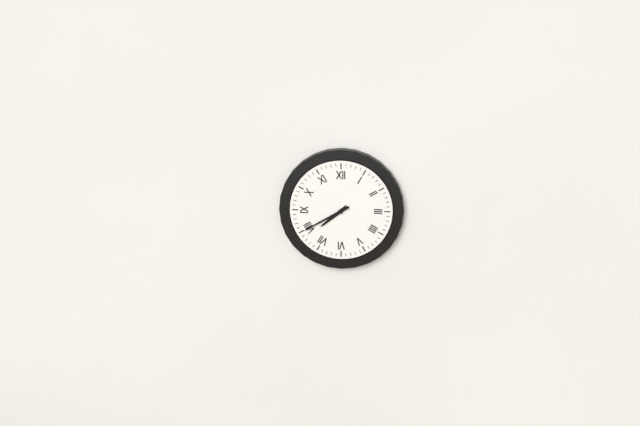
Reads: 7,40
